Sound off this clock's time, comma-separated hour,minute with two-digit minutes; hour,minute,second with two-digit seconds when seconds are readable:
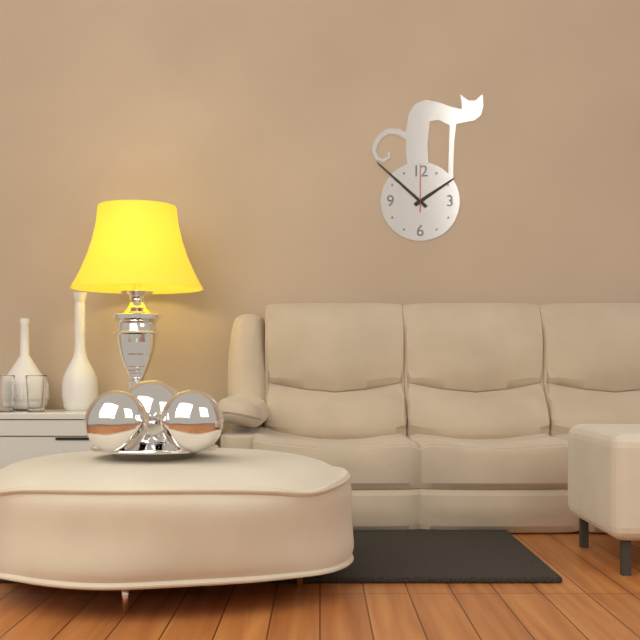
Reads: 1,52
